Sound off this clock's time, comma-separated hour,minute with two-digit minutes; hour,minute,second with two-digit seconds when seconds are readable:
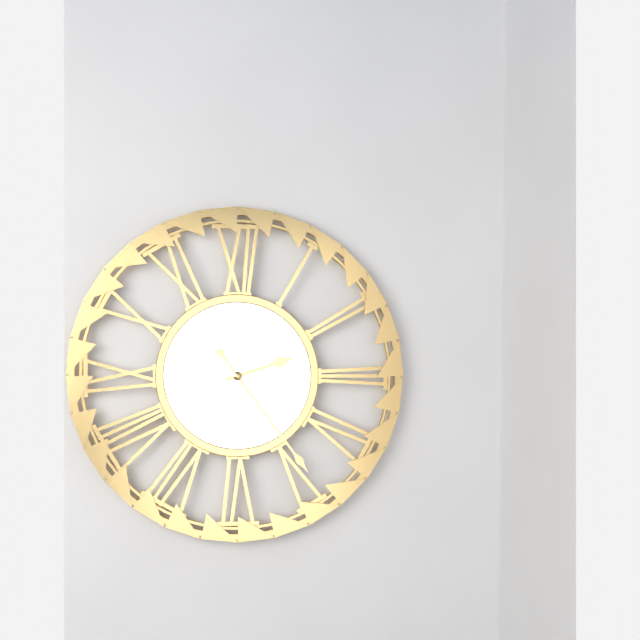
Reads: 2,24
